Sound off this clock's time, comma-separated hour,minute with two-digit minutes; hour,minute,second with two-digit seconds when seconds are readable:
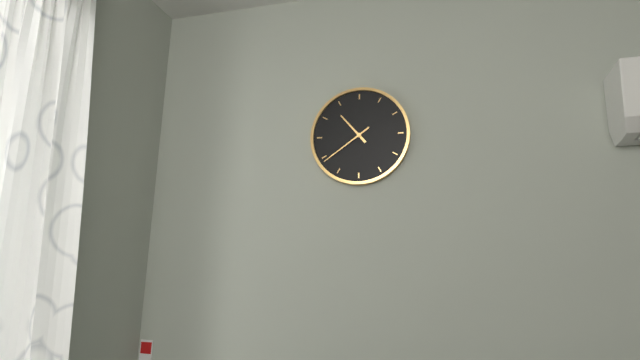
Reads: 10,39
